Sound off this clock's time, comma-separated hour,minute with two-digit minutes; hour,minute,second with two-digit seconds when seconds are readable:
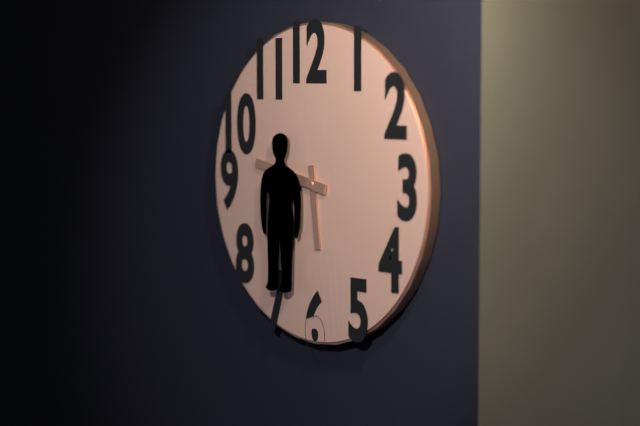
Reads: 5,47
